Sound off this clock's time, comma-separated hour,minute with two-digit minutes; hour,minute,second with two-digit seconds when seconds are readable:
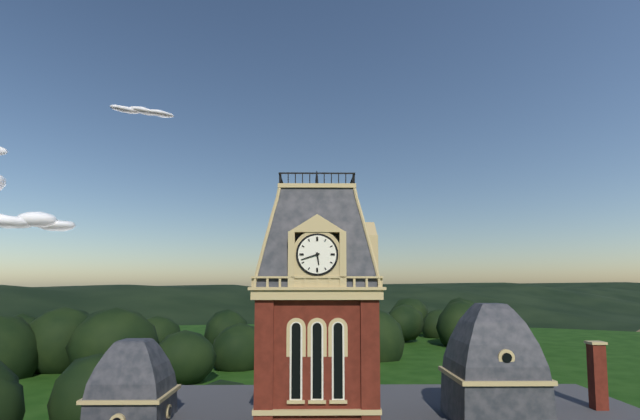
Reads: 5,42
